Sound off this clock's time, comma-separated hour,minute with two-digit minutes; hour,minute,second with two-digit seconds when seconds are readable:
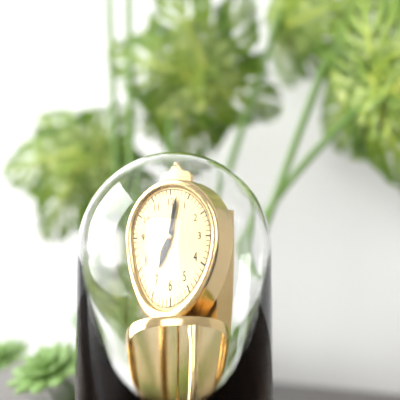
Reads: 7,02
